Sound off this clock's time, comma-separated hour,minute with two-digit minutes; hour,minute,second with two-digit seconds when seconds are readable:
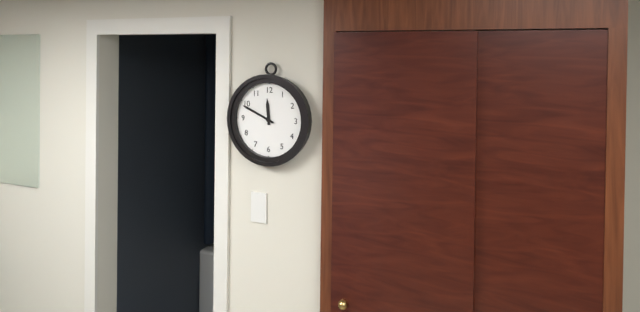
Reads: 11,49
